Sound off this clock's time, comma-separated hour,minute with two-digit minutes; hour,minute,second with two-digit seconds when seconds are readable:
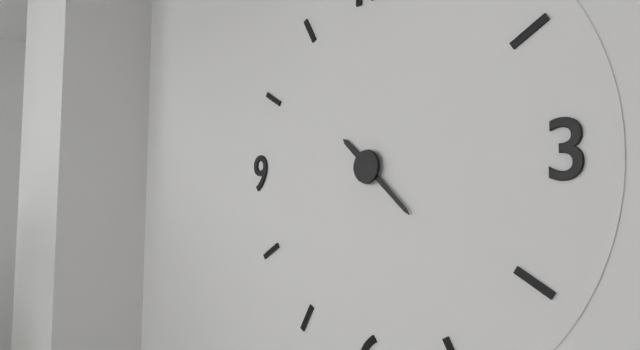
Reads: 10,22
